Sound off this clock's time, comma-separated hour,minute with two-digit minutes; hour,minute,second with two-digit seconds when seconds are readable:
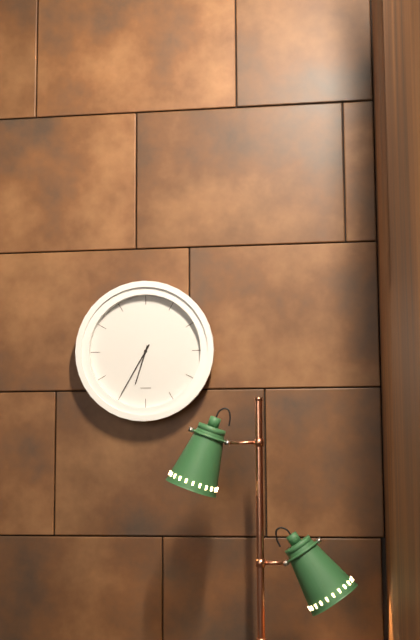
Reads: 6,35
